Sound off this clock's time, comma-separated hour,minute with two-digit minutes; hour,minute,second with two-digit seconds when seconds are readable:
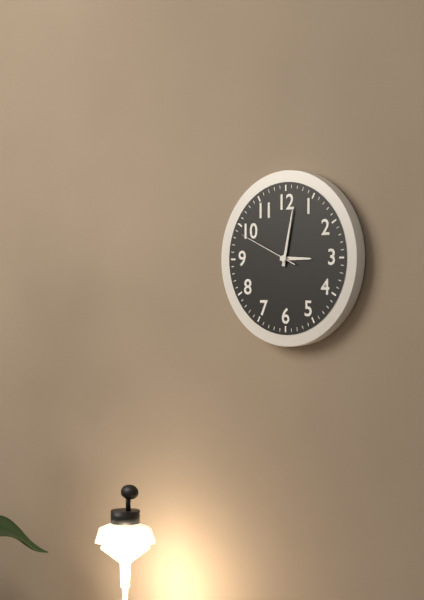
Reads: 3,02,49
